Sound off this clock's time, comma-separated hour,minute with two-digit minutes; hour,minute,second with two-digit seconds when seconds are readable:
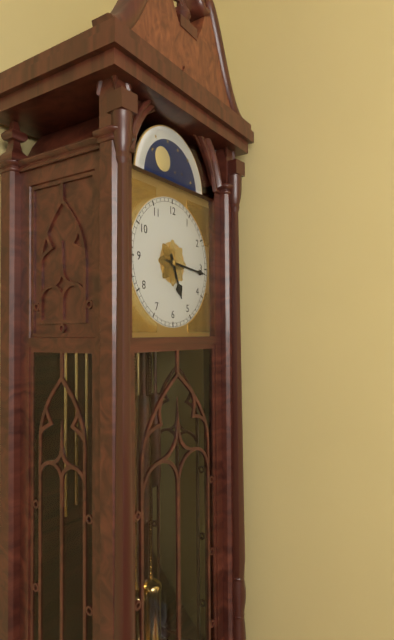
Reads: 5,16
